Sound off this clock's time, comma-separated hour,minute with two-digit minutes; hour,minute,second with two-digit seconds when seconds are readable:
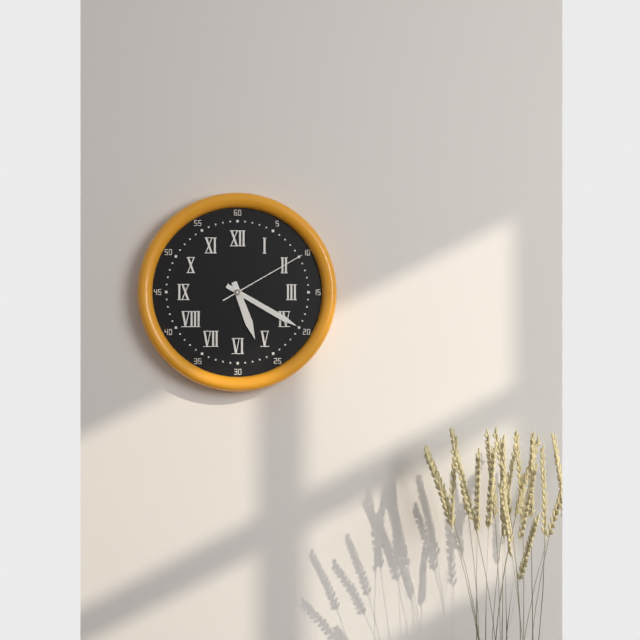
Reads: 5,20,10
